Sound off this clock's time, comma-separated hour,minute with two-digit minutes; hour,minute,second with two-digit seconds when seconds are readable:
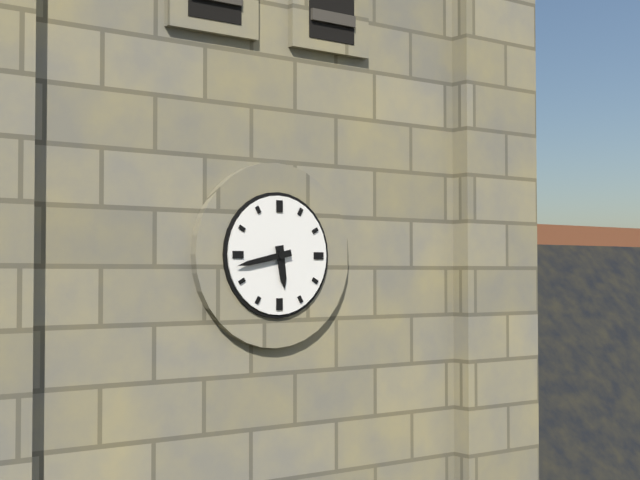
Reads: 5,43
